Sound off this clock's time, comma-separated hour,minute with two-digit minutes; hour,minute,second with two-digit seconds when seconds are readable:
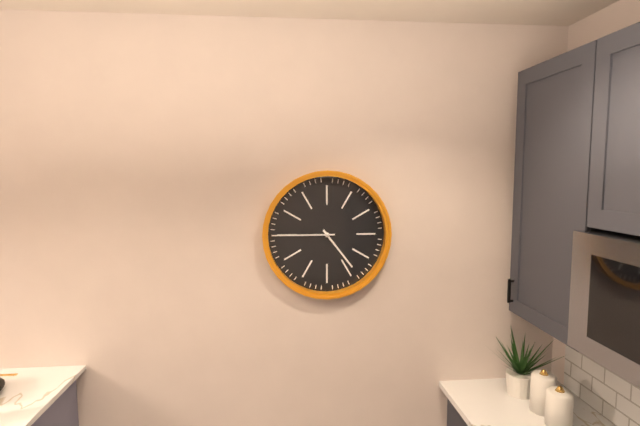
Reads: 4,45
